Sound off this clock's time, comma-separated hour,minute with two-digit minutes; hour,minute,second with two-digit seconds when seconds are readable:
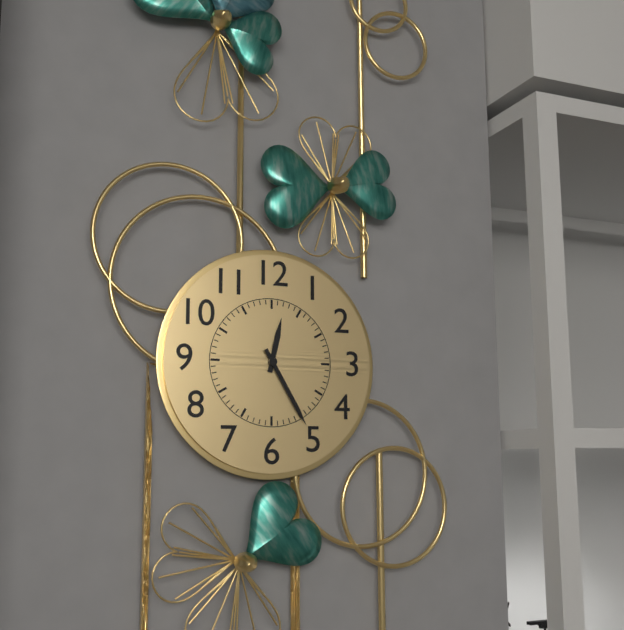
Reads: 12,25
